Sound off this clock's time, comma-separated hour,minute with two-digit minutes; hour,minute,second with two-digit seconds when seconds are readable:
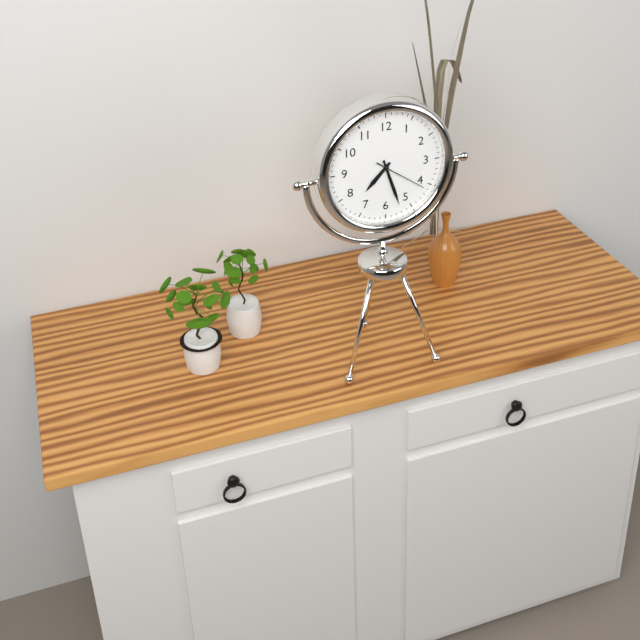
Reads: 7,27,21
